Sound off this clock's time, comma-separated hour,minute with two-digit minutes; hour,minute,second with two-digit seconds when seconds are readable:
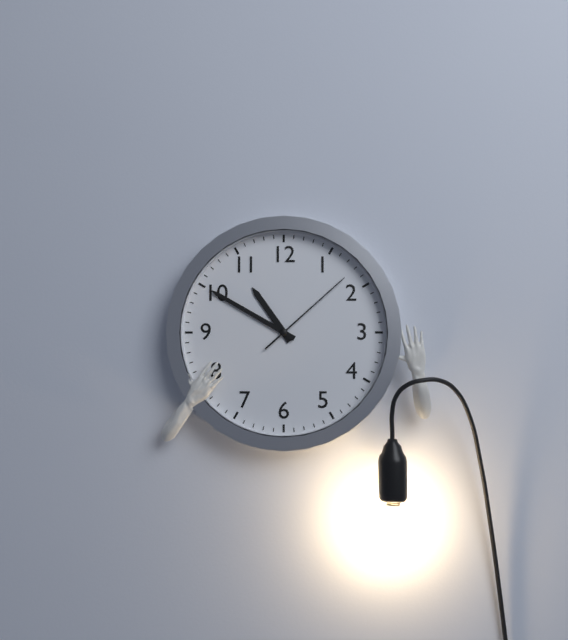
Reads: 10,50,08
